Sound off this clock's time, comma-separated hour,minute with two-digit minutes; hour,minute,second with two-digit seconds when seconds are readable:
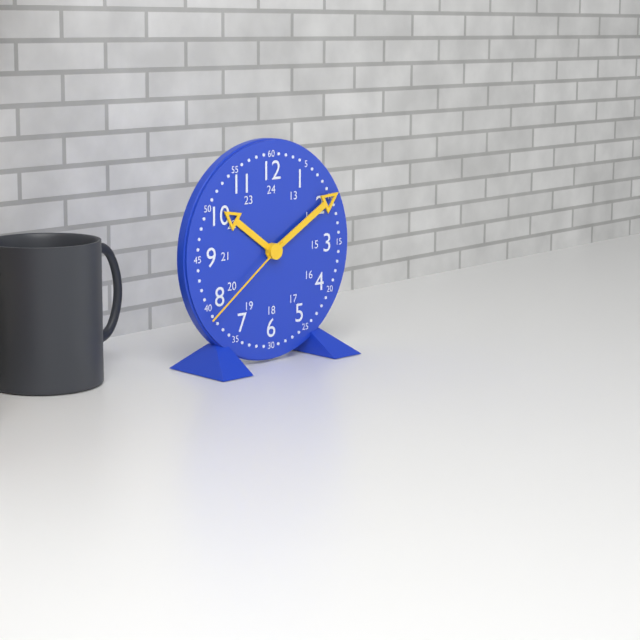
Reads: 10,10,39
